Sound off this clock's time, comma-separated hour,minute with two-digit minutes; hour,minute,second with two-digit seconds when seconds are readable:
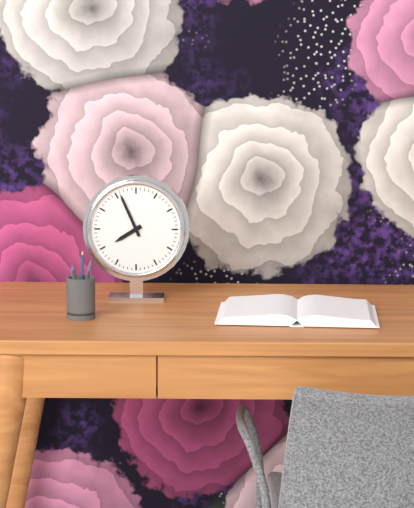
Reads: 7,56
